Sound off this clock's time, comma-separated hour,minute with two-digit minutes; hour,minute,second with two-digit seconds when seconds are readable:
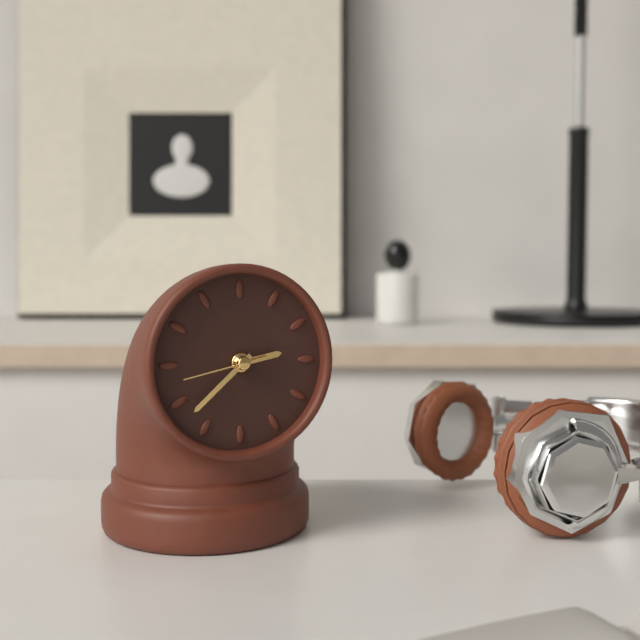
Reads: 2,38,43
